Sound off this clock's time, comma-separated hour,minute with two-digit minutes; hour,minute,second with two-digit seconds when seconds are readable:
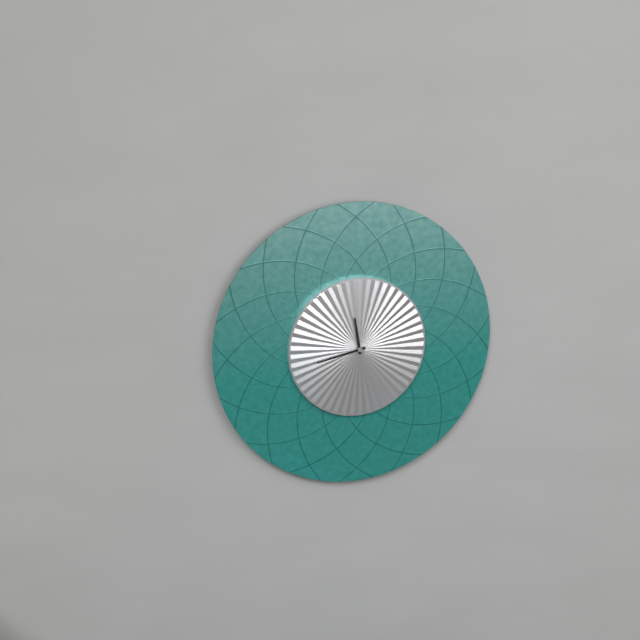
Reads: 11,43
